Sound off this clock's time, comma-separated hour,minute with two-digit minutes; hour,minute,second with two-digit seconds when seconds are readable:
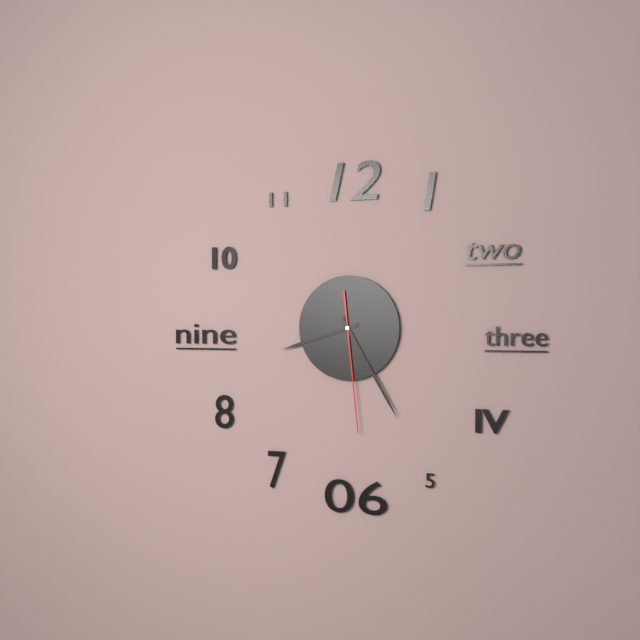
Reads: 8,25,29
